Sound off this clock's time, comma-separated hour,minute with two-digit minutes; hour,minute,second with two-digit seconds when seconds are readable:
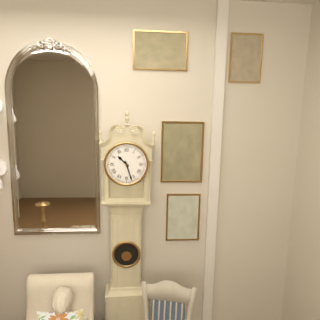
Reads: 10,27
